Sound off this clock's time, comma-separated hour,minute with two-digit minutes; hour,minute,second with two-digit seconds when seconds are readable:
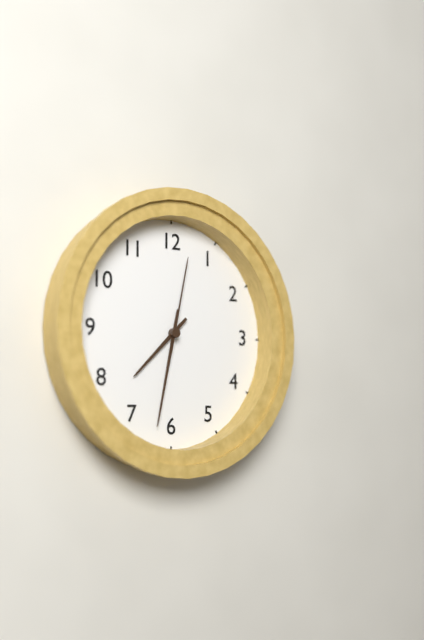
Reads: 7,32,02
